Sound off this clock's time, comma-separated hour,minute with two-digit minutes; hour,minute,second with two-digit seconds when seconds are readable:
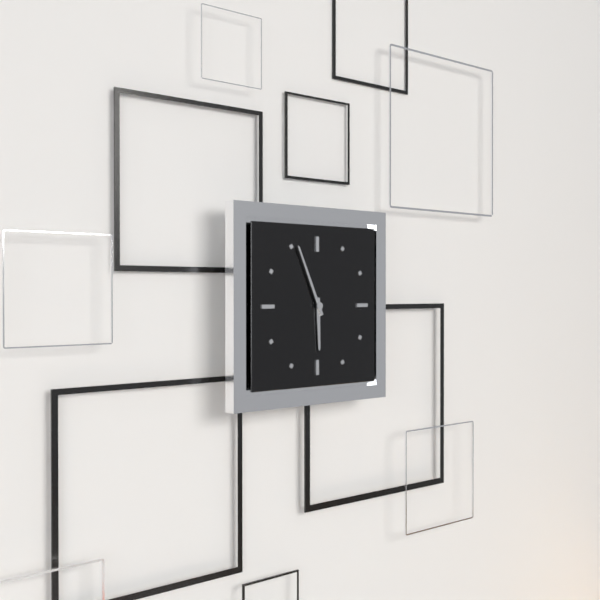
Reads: 5,56
